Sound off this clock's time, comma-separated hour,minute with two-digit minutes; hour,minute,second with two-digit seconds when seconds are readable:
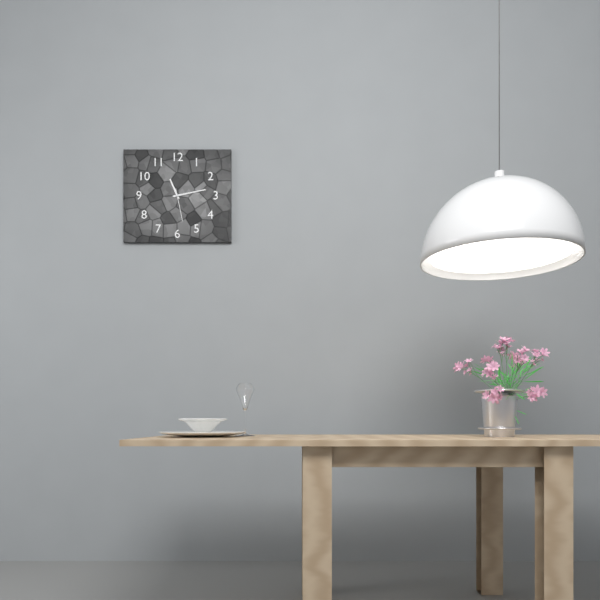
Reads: 11,13
